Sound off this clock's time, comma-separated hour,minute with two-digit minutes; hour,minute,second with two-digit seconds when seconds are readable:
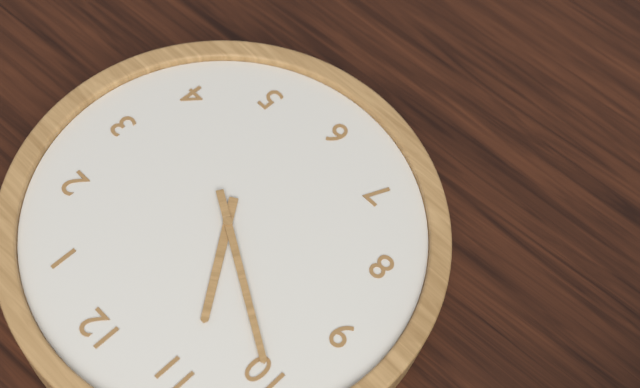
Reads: 10,50
